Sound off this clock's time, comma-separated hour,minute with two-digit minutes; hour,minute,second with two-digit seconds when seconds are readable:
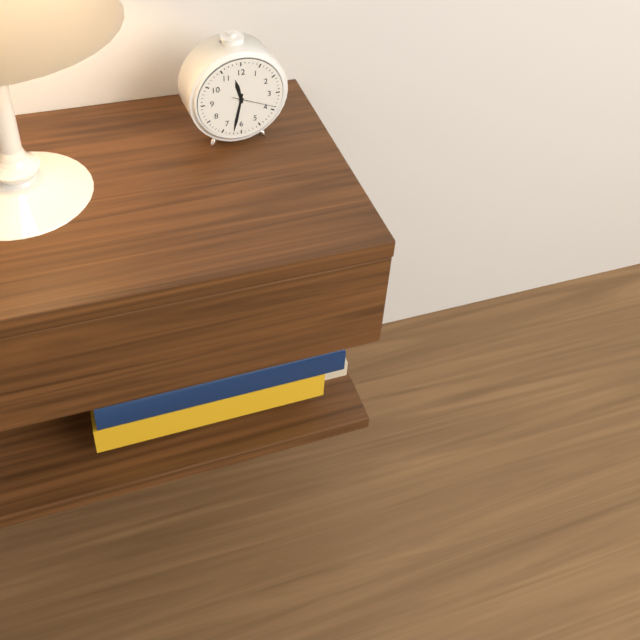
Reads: 11,32
